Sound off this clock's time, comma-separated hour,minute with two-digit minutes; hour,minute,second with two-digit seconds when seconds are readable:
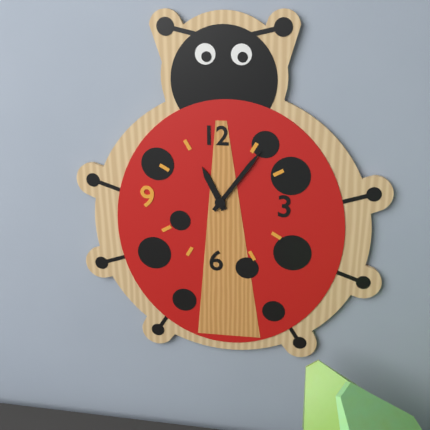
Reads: 11,06
